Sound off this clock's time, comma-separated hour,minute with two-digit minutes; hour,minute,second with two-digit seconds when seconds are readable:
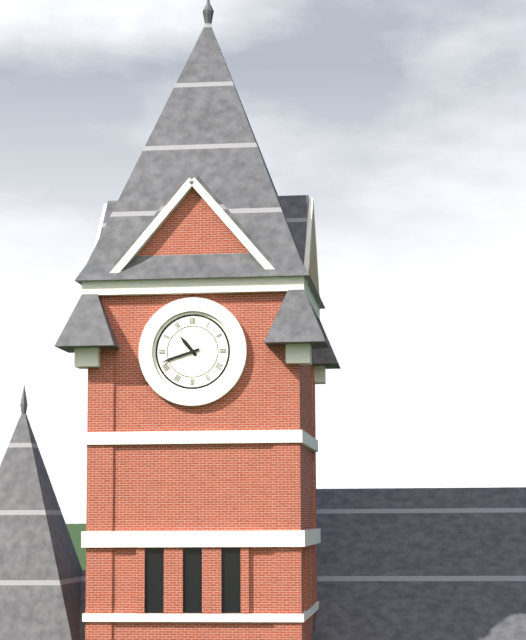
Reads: 10,42
